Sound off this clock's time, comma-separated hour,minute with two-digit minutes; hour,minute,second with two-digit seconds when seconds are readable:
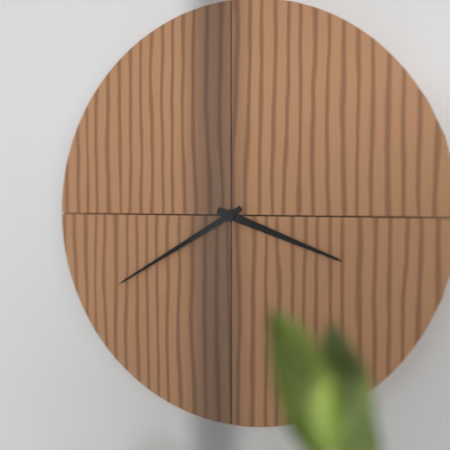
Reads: 3,40
